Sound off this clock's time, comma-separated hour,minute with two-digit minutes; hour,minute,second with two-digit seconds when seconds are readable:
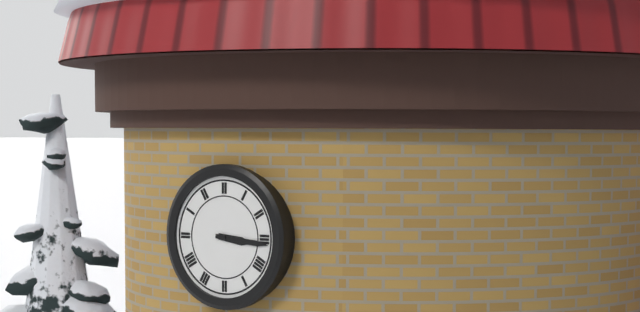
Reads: 3,16
